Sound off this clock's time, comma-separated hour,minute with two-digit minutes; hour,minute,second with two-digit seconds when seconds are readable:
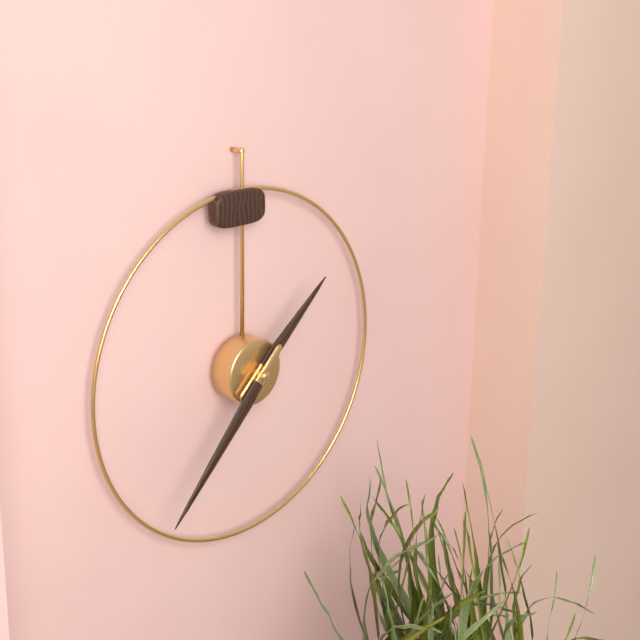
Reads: 1,37
